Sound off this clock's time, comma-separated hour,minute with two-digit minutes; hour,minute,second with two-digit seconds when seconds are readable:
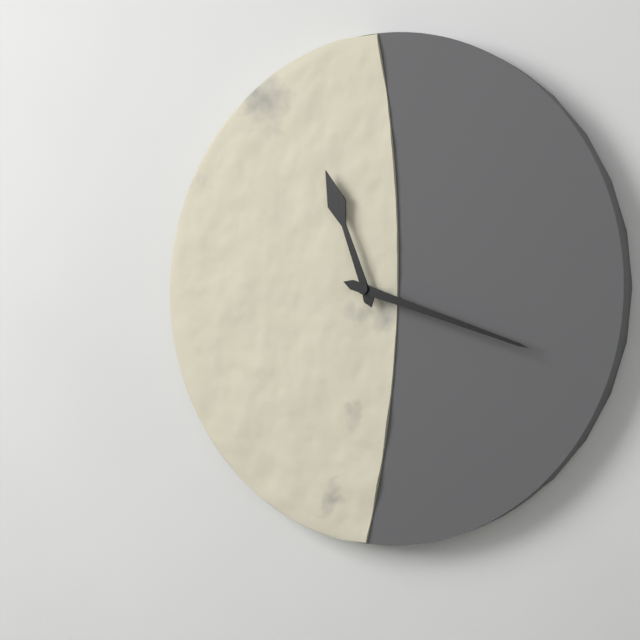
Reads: 11,18
